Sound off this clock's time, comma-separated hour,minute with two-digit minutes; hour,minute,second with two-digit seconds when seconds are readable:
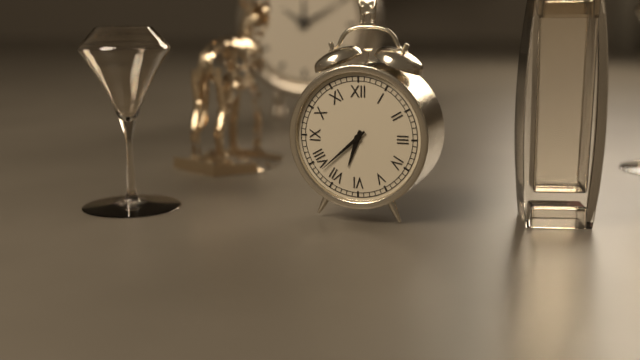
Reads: 6,38
